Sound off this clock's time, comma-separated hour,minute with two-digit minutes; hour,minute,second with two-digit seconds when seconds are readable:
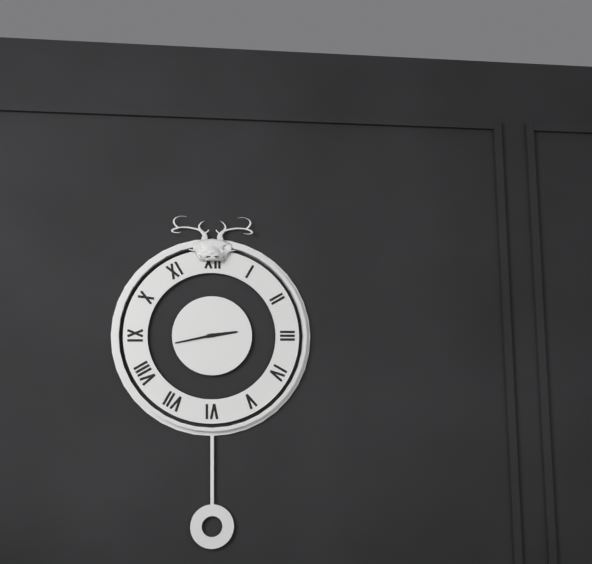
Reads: 2,43
